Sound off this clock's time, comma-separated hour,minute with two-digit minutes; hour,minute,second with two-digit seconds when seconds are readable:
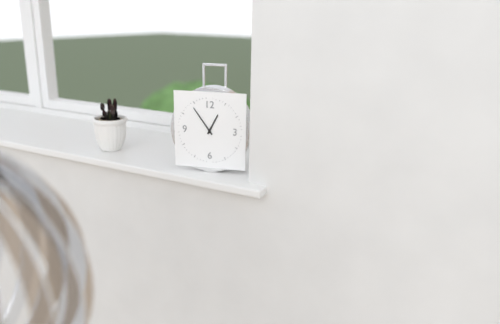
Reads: 12,54
